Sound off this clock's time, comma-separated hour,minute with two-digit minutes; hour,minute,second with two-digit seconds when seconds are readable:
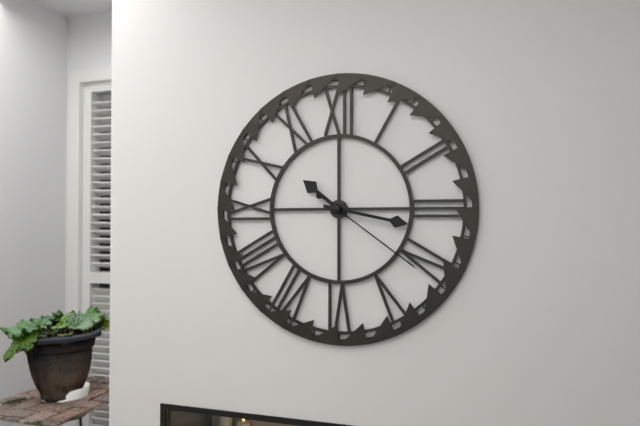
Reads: 10,17,21
